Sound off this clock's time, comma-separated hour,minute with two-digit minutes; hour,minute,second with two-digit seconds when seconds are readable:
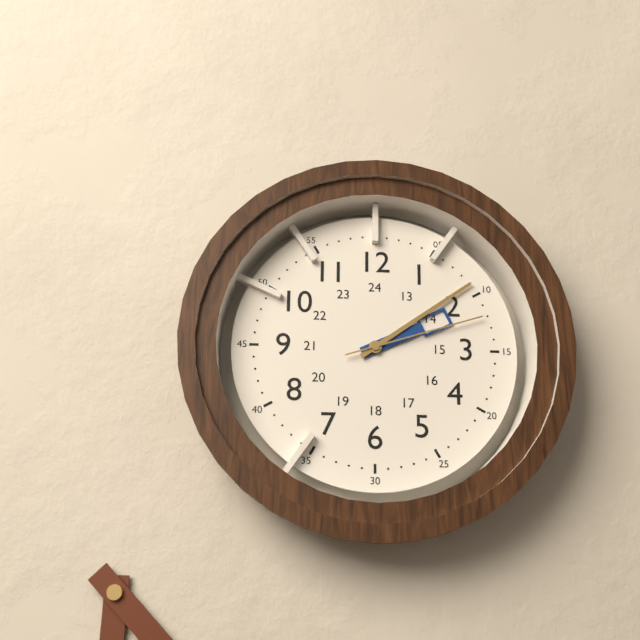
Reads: 2,09,12
